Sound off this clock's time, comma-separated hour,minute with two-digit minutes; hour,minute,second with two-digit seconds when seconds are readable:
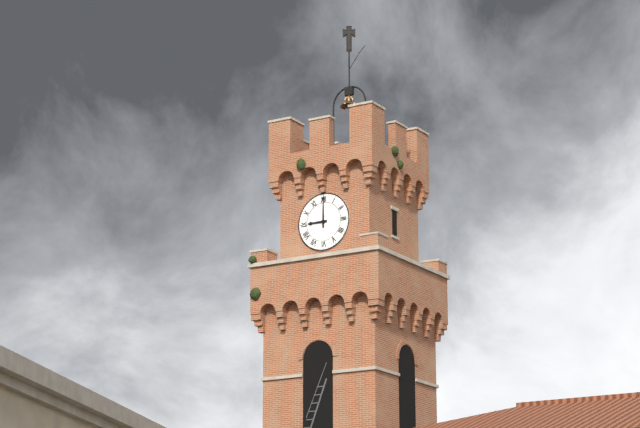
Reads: 9,00
